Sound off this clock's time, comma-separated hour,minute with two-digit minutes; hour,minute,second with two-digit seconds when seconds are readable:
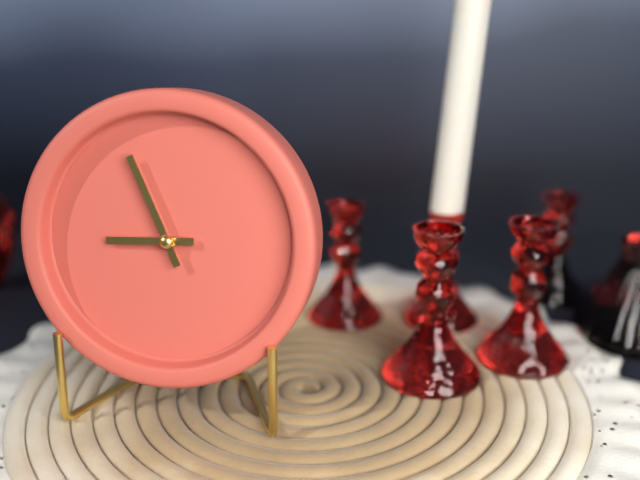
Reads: 8,56
